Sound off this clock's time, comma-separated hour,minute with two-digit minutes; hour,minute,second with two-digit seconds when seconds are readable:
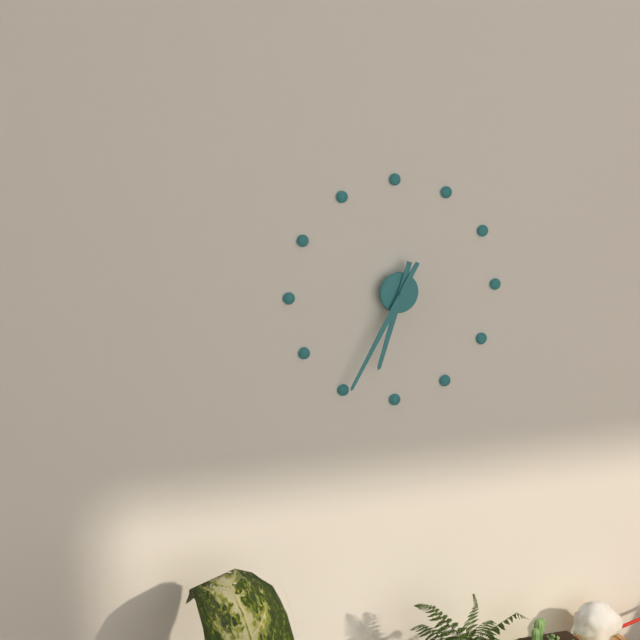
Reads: 6,35
